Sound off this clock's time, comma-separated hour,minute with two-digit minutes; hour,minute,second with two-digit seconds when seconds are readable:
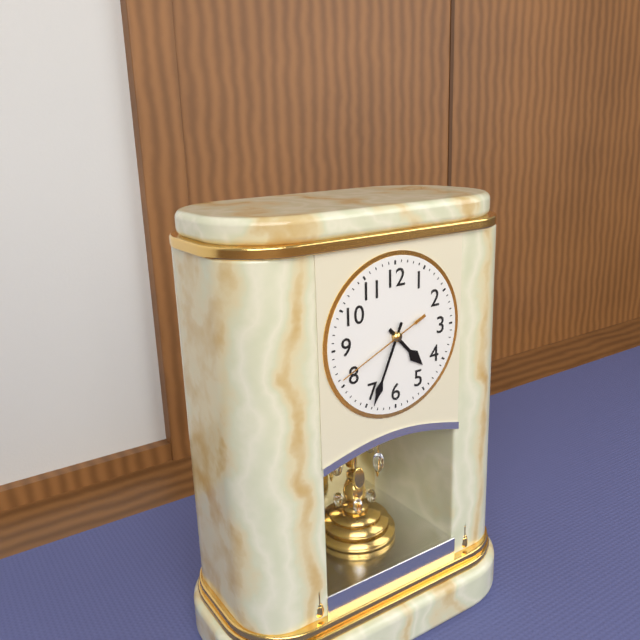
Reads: 4,34,41
